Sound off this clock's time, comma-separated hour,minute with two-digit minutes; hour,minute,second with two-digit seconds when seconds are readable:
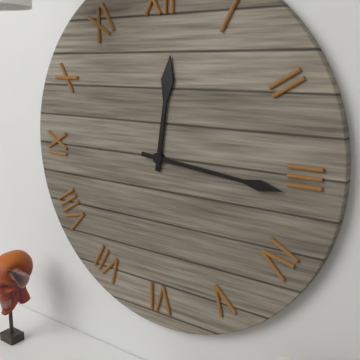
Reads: 12,16
